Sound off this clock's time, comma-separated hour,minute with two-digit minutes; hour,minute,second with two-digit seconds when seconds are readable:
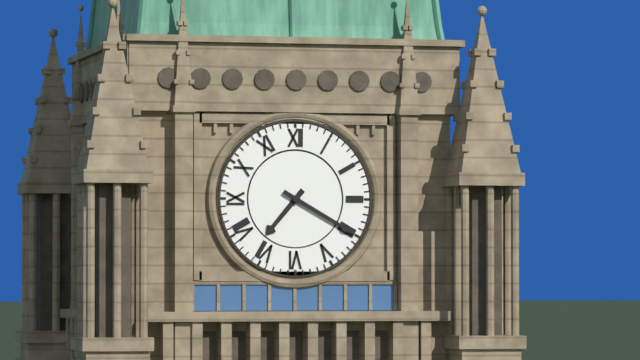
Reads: 7,20
